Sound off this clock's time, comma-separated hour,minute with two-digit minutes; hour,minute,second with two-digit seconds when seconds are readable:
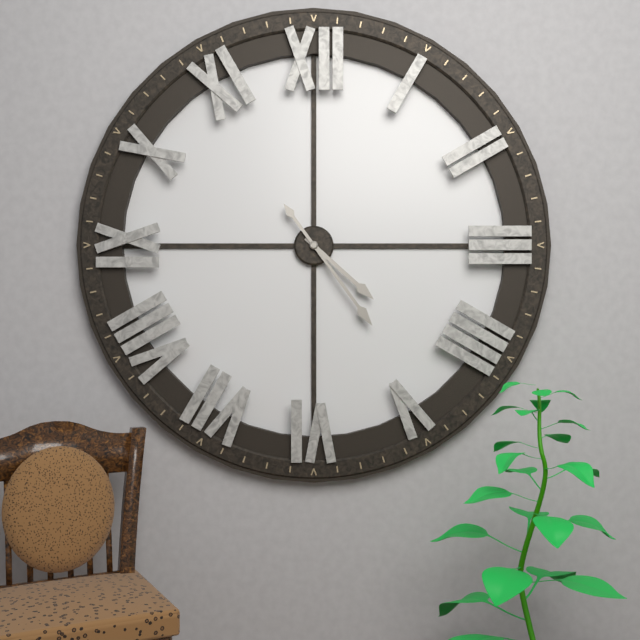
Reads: 4,24
